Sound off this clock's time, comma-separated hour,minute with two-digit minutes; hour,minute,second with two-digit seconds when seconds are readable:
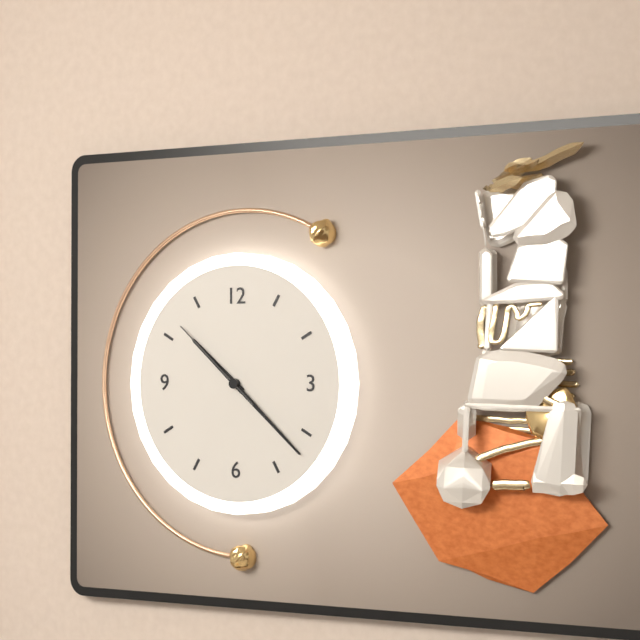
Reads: 10,22,52
